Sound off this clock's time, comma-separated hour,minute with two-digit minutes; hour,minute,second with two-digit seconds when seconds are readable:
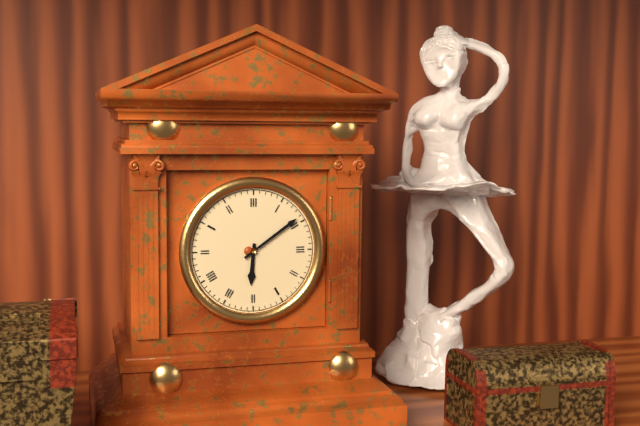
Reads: 6,09
